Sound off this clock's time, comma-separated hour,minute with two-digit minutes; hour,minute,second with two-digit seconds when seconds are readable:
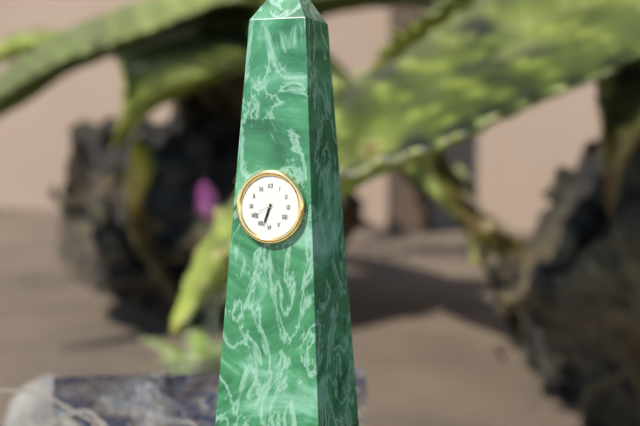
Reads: 6,33
